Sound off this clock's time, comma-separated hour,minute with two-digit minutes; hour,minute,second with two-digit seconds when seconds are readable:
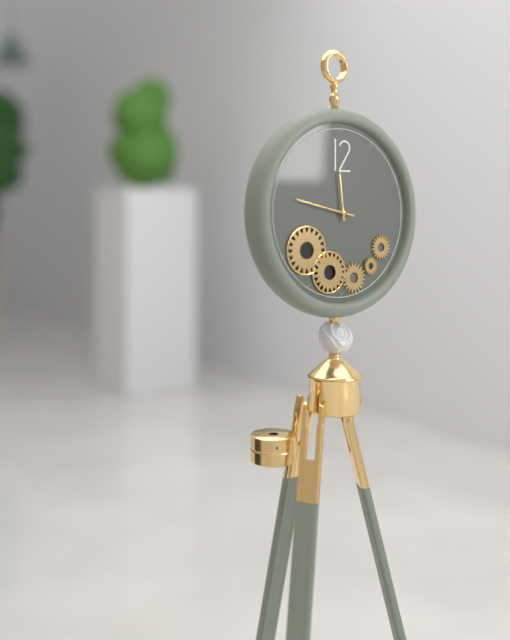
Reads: 11,47
